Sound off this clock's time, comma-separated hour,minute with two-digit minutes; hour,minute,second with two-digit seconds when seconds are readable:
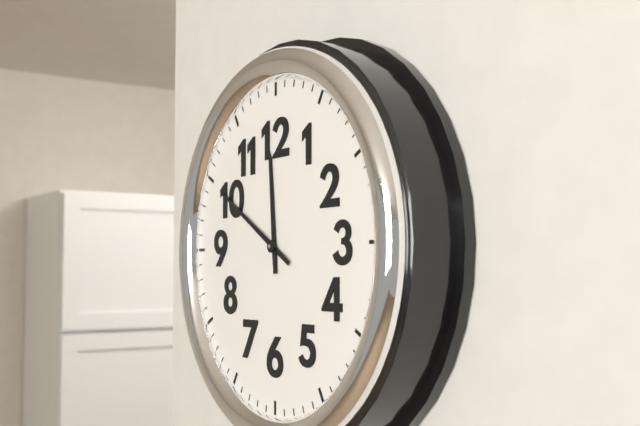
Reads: 11,50
